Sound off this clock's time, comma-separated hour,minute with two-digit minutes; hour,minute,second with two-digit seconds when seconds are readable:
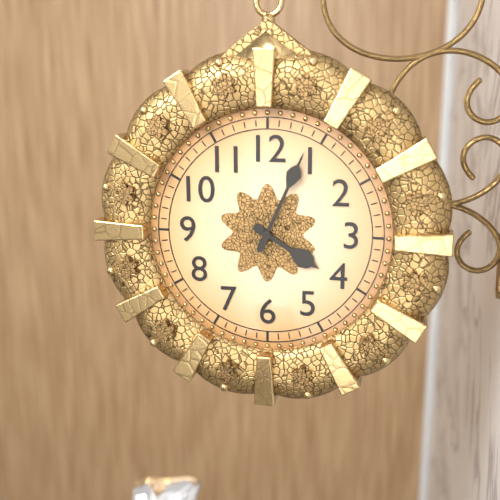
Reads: 4,04
